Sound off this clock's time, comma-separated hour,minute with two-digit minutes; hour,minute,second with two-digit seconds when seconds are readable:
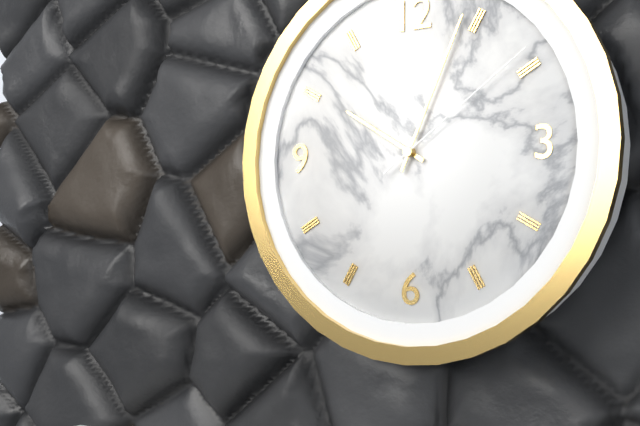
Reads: 10,04,09
